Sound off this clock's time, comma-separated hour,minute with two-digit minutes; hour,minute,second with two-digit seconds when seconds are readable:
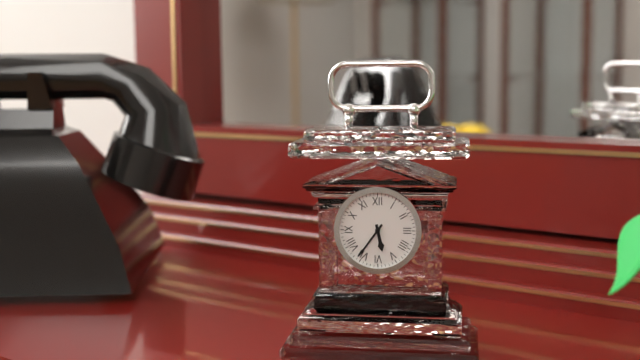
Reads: 5,36
